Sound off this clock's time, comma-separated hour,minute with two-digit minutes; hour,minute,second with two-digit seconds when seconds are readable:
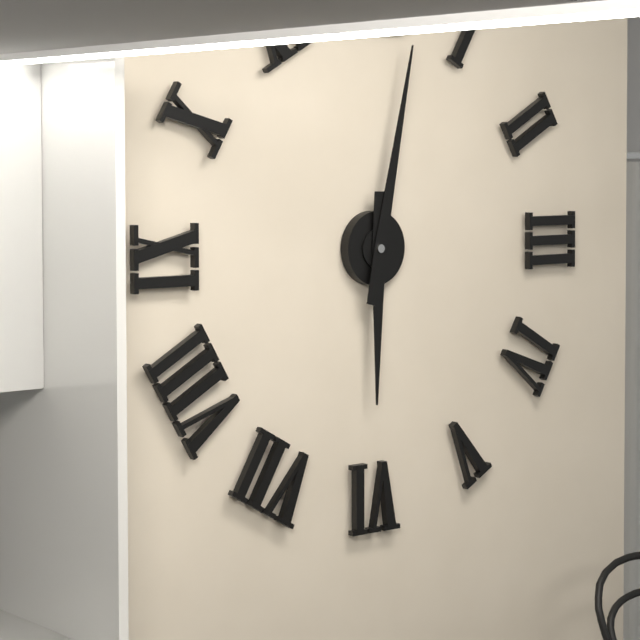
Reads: 6,02
